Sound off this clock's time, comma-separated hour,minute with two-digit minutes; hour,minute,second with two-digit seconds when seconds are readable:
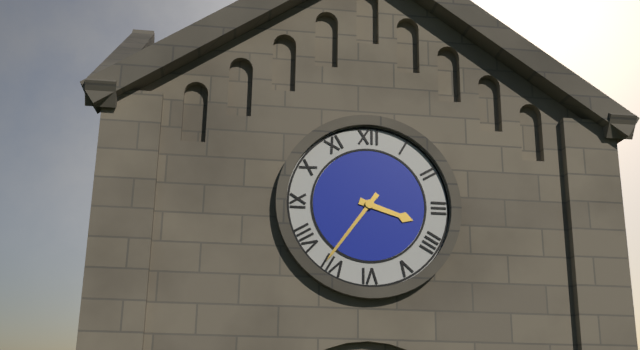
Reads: 3,36
